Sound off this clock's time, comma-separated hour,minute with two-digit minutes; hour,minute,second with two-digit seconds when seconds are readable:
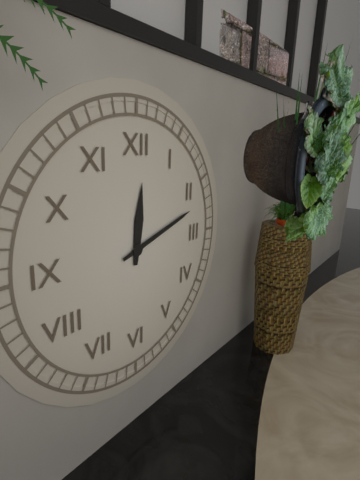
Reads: 12,12
